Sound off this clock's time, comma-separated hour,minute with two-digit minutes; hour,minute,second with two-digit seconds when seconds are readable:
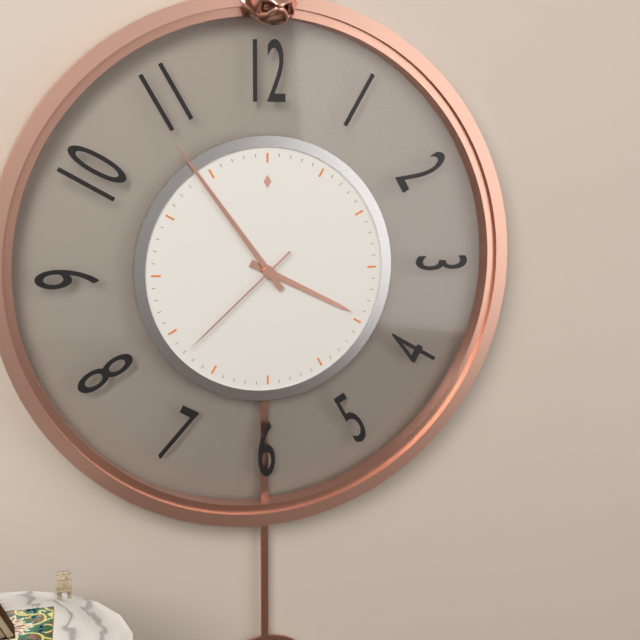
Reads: 3,54,38
